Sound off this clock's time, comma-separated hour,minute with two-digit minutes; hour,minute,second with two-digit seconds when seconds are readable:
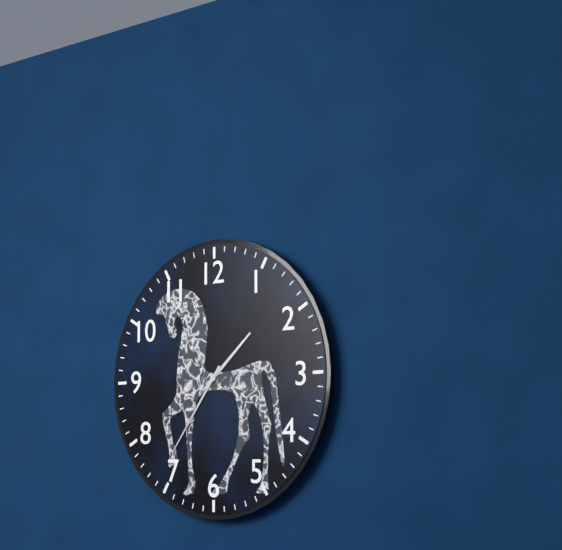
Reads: 1,36
